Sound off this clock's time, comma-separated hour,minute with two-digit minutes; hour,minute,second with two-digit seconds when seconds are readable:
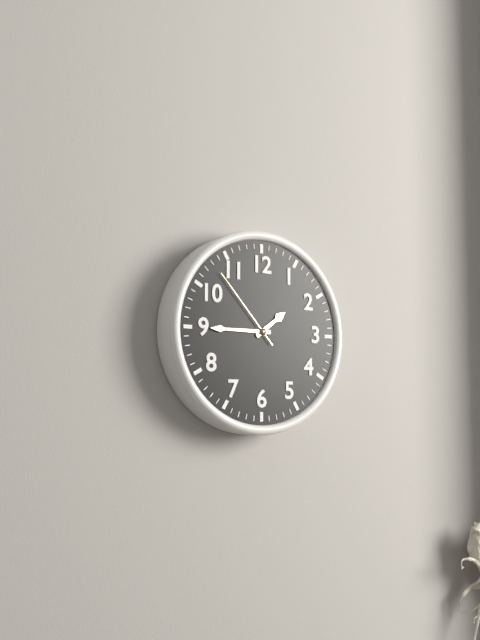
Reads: 1,45,53
